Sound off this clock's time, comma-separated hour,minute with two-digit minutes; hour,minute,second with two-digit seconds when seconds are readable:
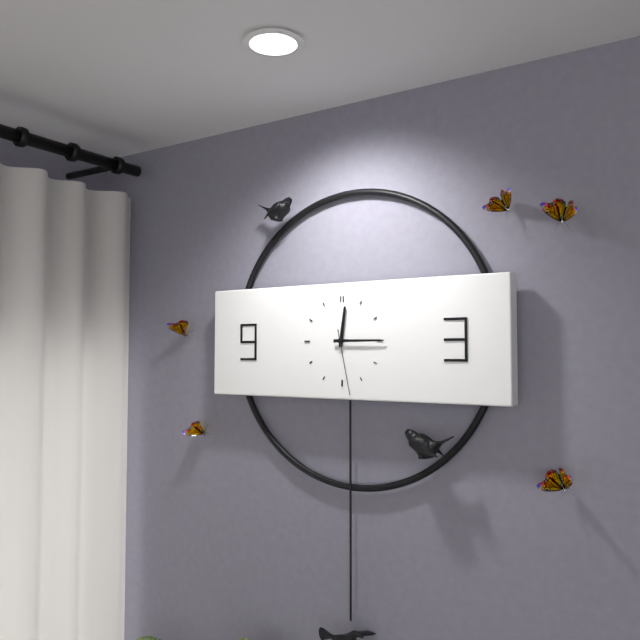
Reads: 12,15,28
